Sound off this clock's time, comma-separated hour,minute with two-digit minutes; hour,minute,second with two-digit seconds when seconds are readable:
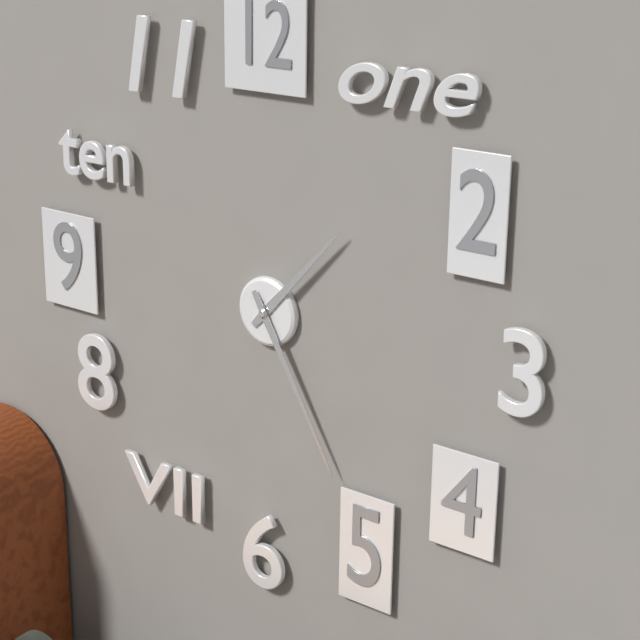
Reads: 1,25
